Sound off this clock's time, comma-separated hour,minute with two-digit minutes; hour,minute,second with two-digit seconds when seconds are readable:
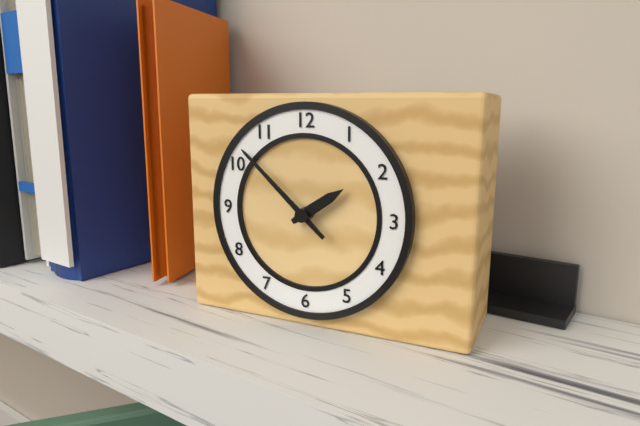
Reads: 1,52
